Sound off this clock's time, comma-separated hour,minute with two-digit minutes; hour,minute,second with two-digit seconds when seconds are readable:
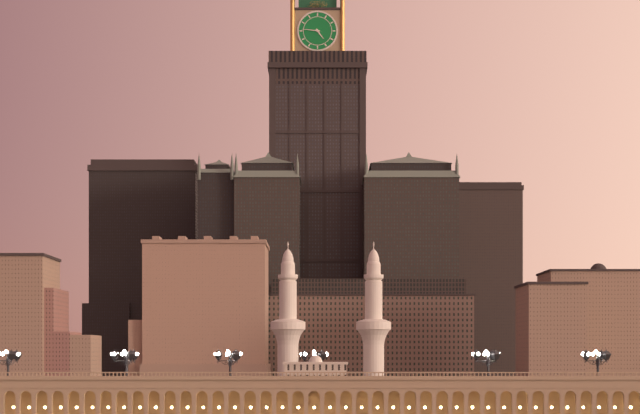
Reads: 4,46
